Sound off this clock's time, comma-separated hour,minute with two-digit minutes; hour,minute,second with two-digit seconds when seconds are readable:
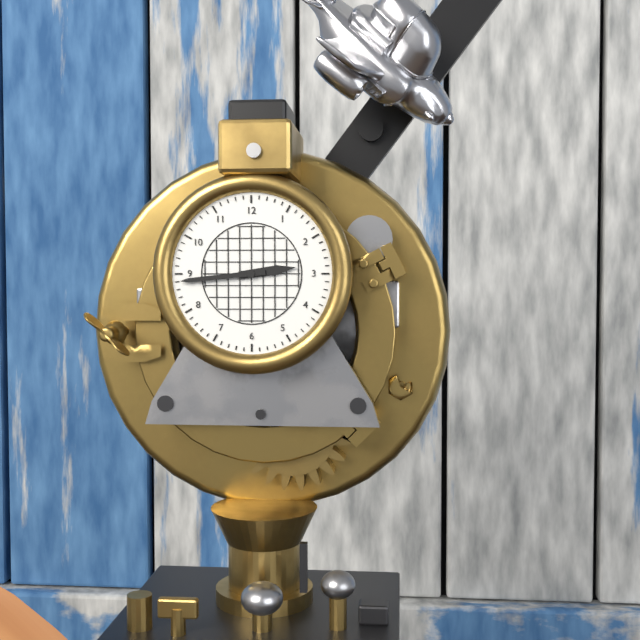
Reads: 2,44
